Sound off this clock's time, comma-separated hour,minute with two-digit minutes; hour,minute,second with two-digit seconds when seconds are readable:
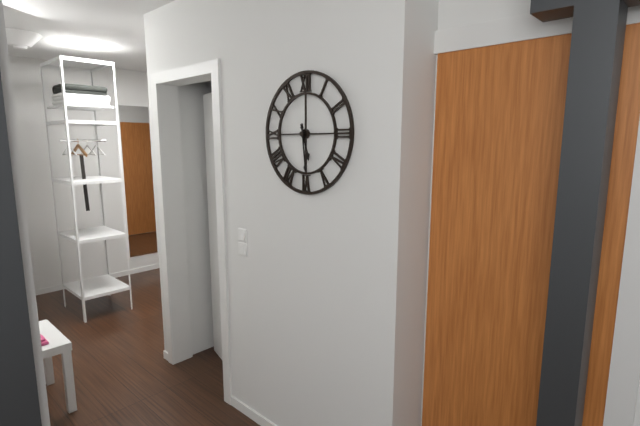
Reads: 5,29
